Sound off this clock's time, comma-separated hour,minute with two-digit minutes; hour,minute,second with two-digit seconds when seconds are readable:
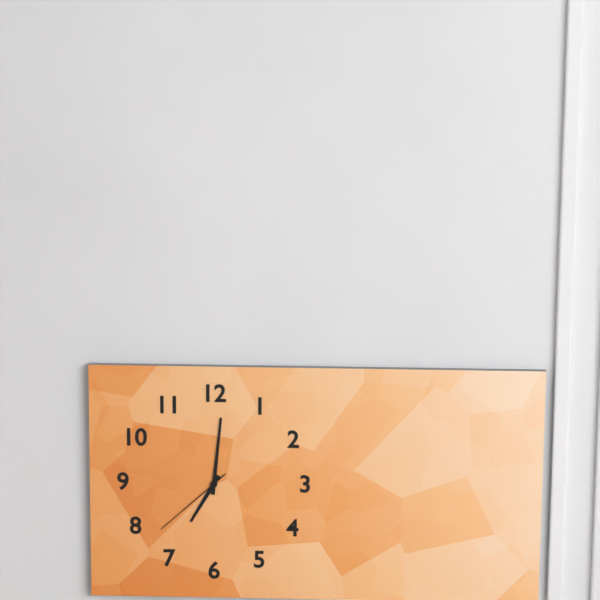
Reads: 7,01,38
